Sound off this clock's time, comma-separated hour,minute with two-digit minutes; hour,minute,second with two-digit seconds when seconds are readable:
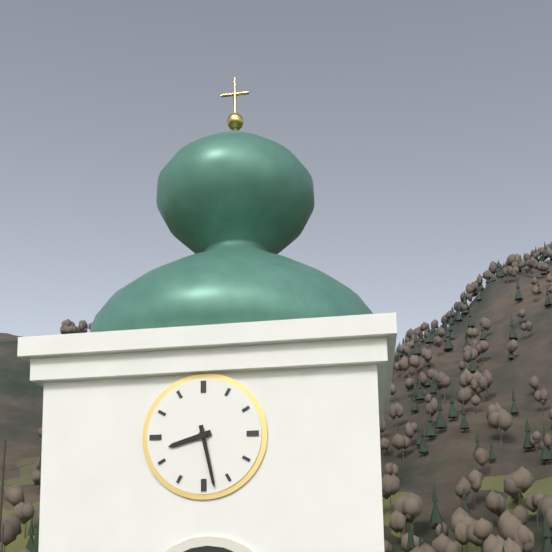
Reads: 8,28
